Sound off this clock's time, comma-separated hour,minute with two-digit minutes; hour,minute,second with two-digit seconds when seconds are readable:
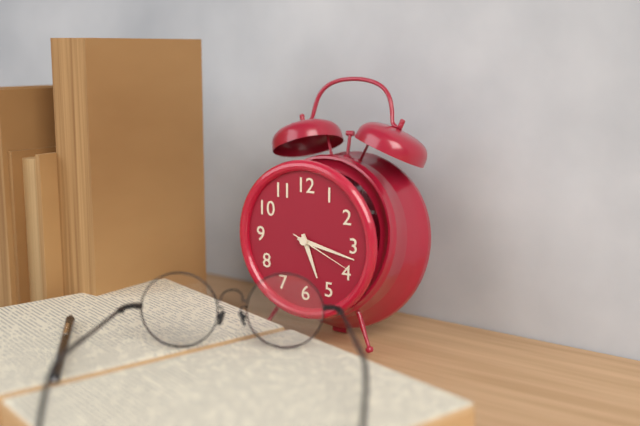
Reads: 5,17,19
